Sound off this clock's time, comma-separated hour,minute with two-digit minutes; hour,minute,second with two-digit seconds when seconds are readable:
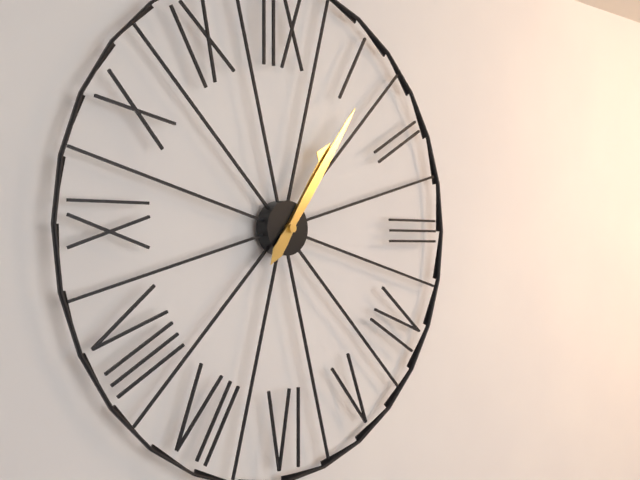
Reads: 1,06
